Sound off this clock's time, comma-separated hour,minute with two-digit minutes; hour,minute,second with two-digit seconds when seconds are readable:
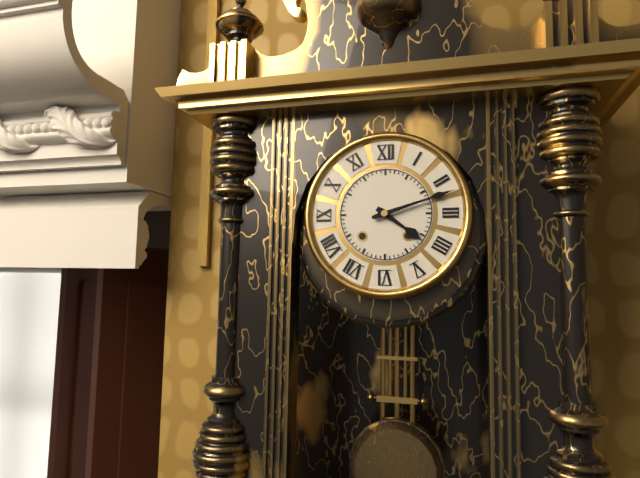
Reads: 4,12
